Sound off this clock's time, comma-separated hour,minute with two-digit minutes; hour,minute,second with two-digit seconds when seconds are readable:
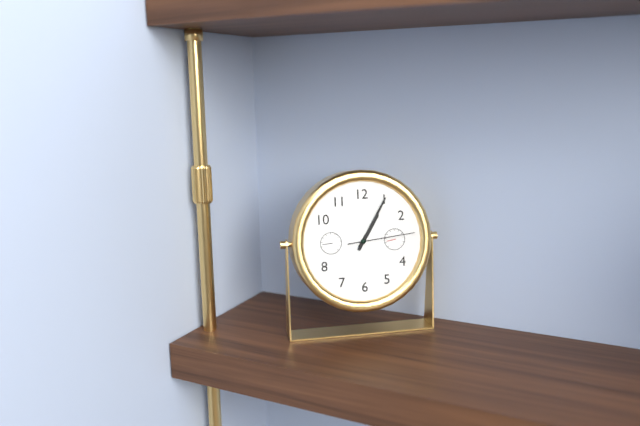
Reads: 1,05,14
